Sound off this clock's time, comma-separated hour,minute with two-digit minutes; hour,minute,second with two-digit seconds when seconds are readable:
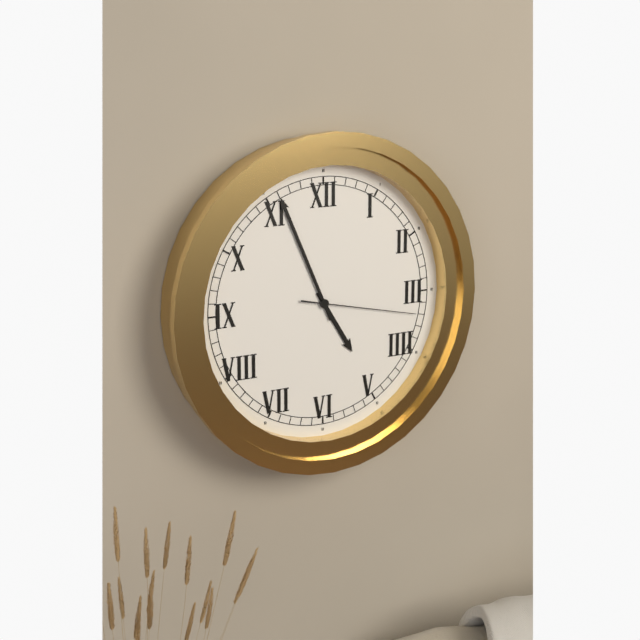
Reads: 4,56,17
